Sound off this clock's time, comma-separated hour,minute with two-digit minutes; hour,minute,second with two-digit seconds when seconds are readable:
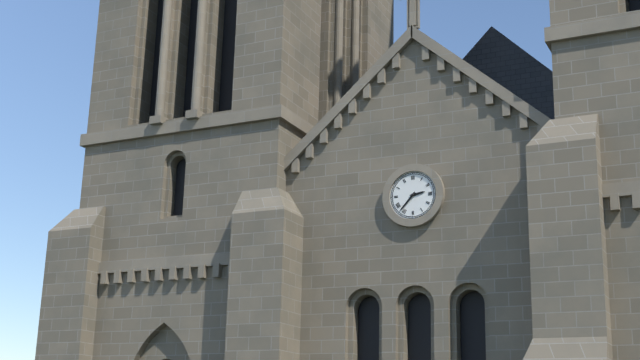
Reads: 2,37
